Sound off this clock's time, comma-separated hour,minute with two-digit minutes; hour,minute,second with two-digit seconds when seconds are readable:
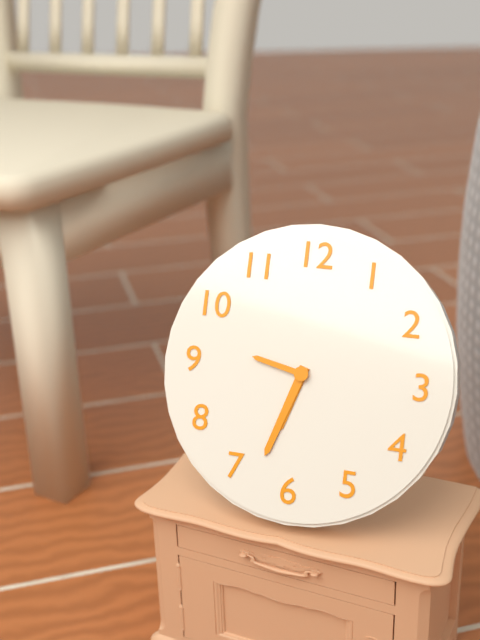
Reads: 6,33,47
